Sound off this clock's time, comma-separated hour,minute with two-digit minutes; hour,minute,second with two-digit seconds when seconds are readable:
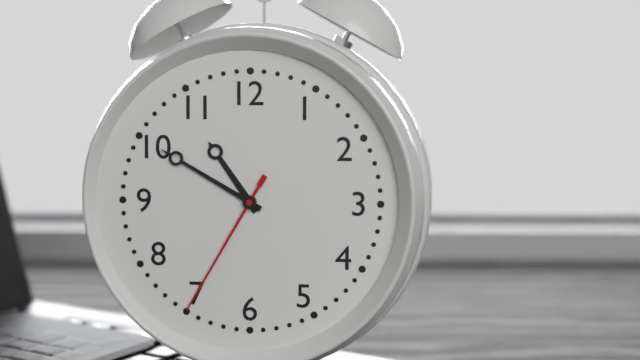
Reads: 10,50,35
